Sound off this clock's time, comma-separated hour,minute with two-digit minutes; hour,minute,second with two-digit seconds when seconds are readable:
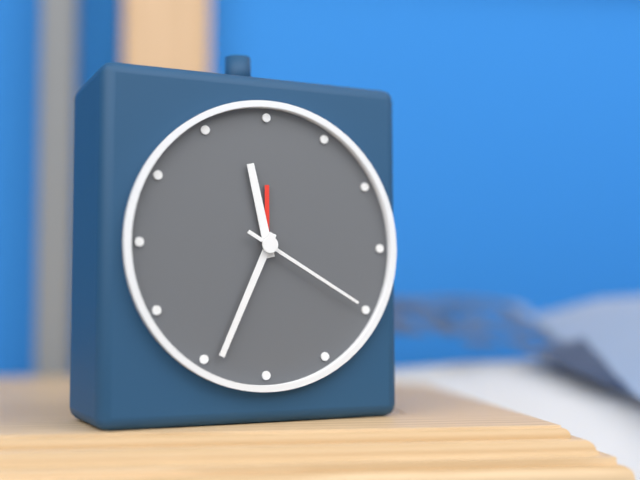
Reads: 11,34,20
